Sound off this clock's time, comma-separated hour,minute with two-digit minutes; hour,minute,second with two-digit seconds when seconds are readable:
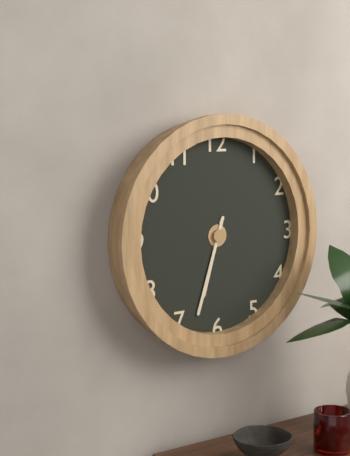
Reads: 6,33
